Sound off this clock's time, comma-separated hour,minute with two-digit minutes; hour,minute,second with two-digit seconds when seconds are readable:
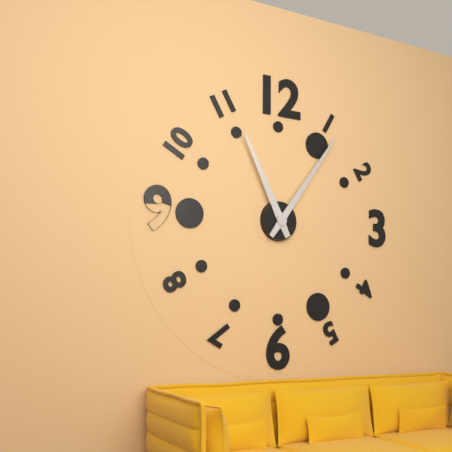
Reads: 11,06
